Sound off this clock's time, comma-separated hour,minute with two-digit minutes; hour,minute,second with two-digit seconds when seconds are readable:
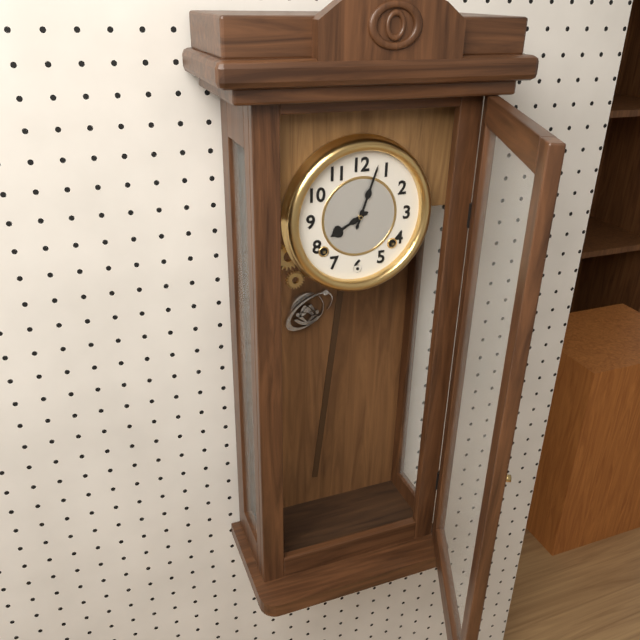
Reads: 8,03
